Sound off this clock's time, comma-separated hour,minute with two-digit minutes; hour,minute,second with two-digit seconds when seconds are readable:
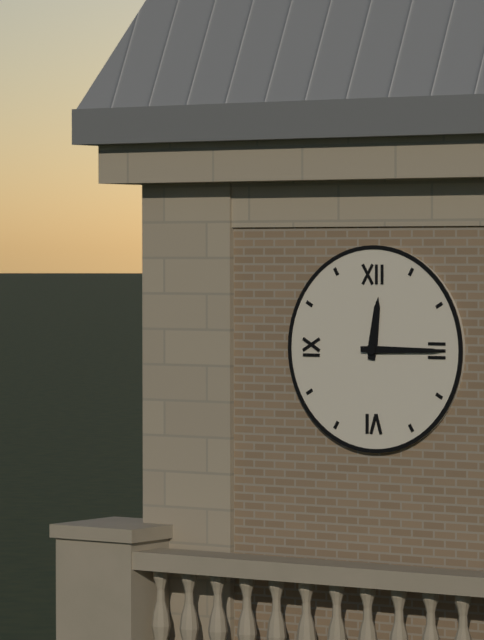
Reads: 12,15
